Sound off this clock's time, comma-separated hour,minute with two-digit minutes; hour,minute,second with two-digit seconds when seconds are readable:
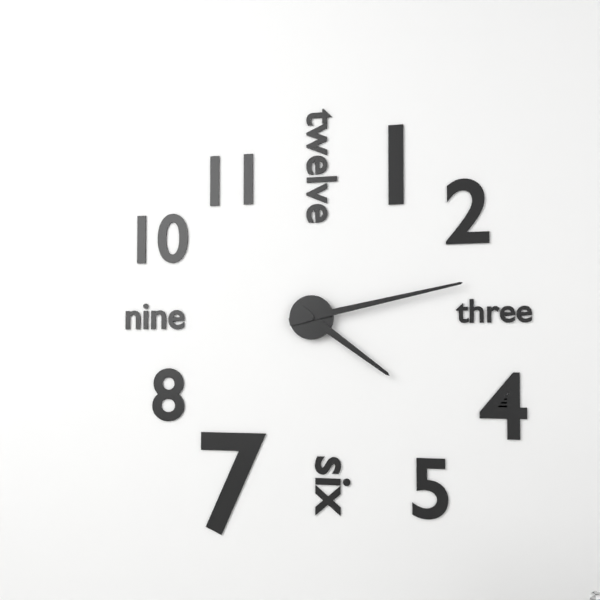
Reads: 4,13
